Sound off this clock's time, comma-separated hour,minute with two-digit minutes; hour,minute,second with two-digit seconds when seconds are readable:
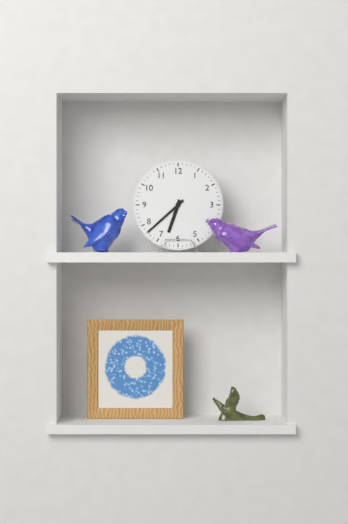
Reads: 6,38
